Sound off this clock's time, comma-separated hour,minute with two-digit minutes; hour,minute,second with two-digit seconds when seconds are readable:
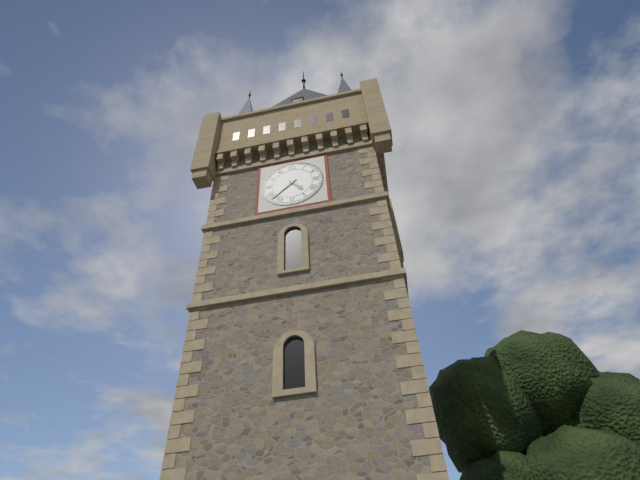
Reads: 4,38
